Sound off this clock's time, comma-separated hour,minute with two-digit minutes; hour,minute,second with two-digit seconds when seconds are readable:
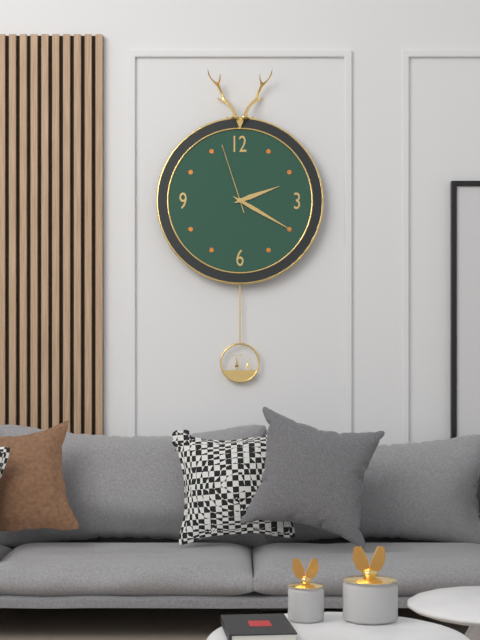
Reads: 2,20,57
